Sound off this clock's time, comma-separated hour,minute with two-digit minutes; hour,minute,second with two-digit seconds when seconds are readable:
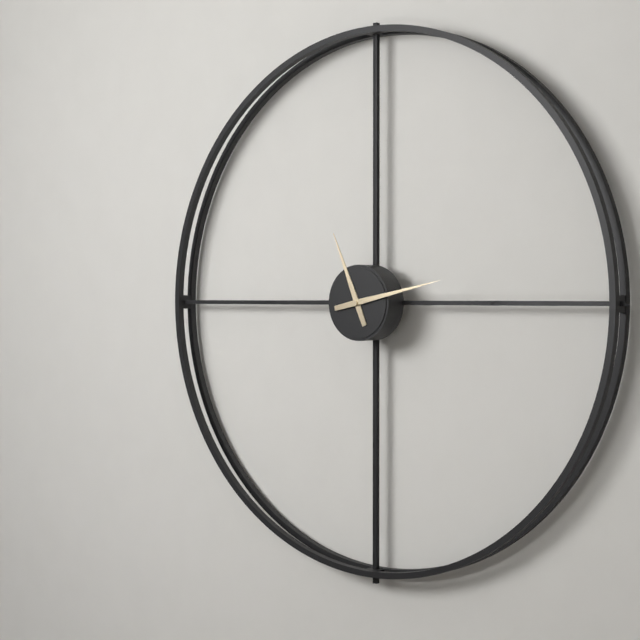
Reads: 11,13
